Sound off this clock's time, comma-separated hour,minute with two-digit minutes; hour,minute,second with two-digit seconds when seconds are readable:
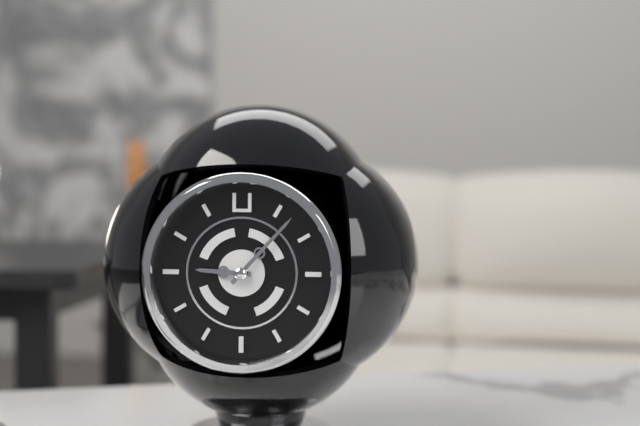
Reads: 9,07
